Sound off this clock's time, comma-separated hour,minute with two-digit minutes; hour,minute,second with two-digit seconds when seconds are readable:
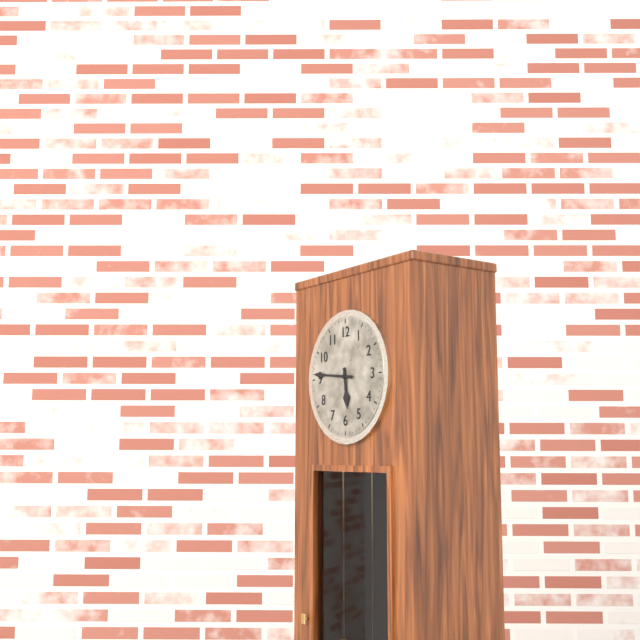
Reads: 5,46
